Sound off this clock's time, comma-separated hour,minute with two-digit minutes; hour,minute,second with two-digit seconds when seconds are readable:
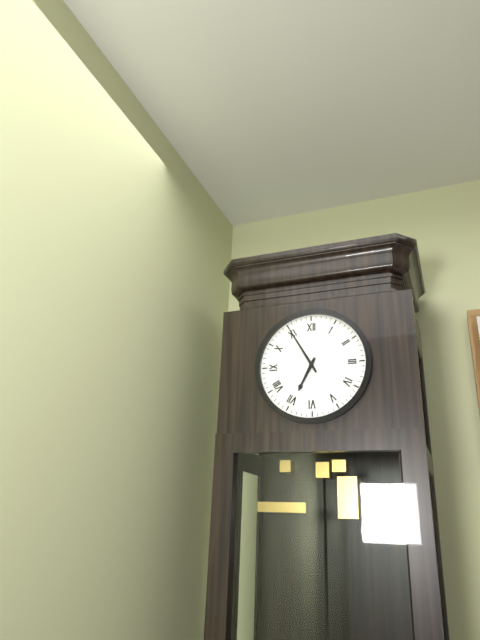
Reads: 6,55
